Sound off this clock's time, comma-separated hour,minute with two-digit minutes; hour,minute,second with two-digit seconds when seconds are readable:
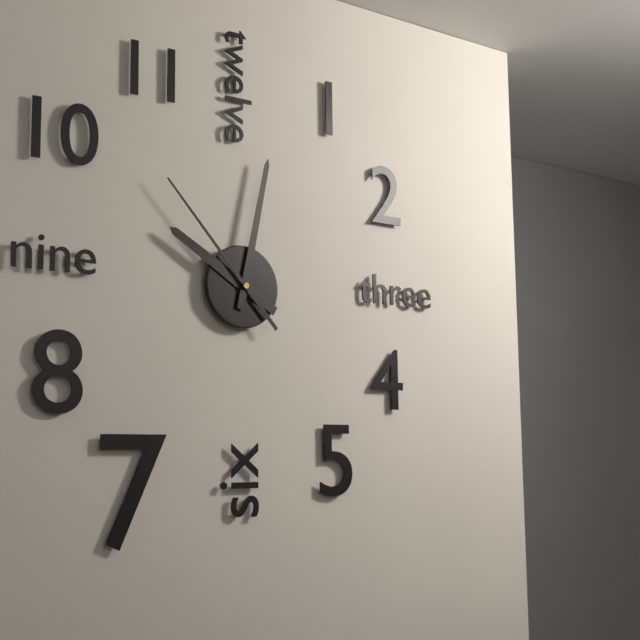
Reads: 10,02,53
